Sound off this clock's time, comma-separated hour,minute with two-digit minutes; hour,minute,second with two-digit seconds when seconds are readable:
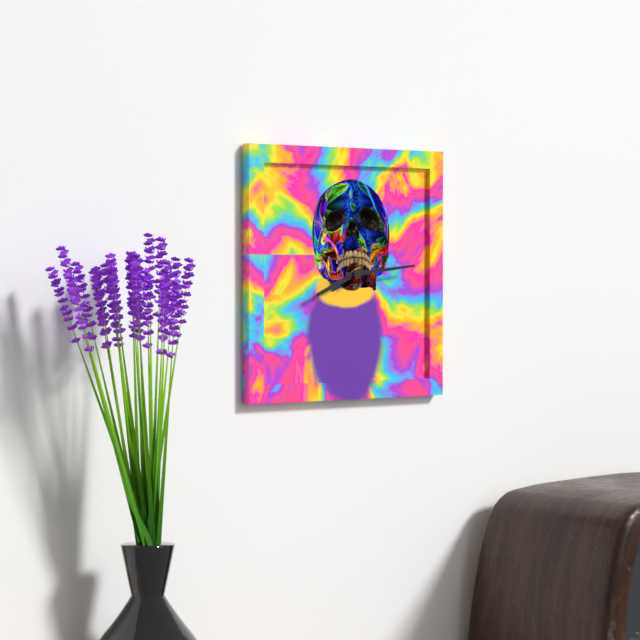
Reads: 8,14
